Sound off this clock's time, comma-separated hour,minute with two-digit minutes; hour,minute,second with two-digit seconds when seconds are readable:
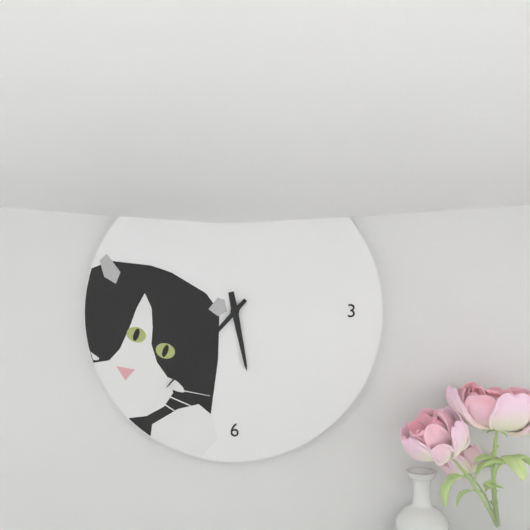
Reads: 5,37
